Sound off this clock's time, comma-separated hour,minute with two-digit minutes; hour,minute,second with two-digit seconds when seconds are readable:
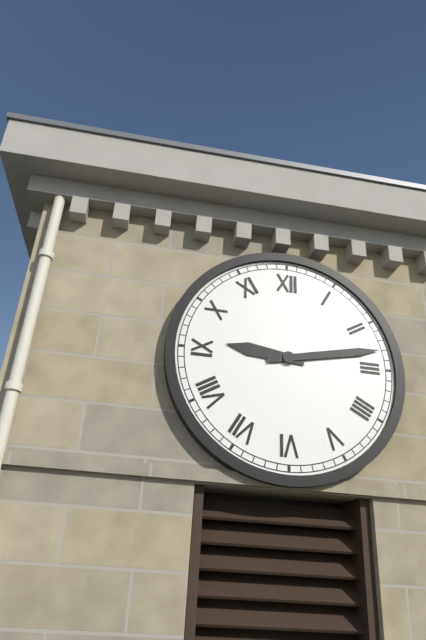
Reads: 9,13
